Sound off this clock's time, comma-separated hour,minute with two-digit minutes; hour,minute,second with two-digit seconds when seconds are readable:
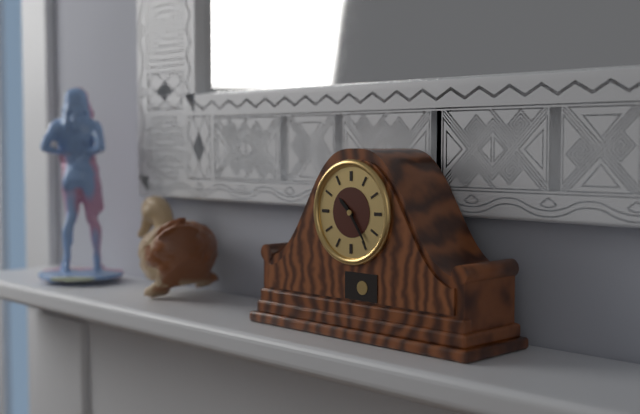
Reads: 10,24
